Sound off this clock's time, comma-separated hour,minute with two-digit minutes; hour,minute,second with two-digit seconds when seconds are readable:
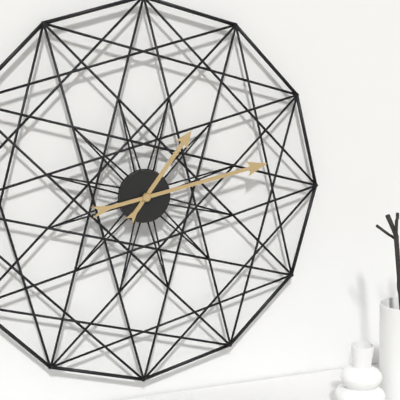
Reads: 1,13
